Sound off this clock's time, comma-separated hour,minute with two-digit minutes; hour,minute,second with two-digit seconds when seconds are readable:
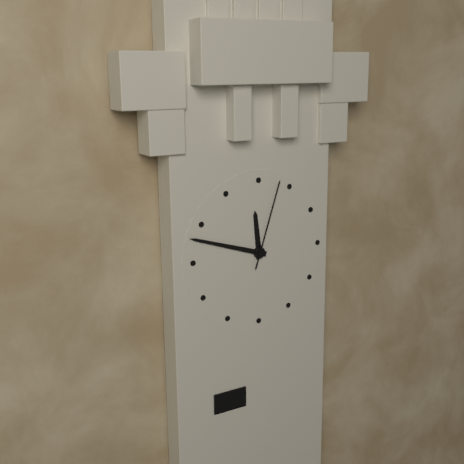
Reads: 11,48,03
